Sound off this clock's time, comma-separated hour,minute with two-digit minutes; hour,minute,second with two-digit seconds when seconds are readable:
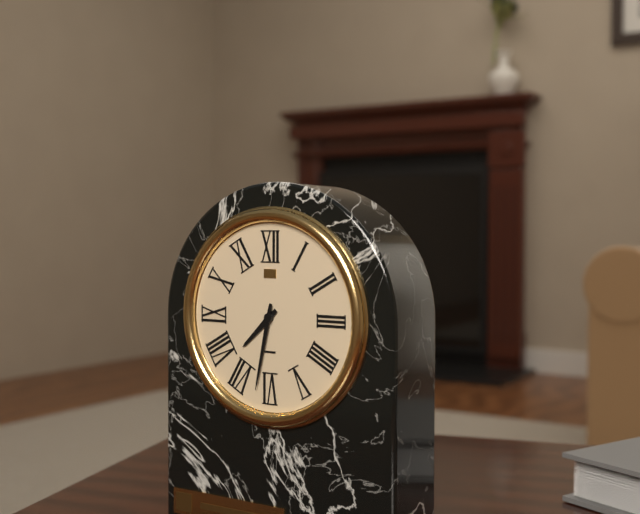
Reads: 7,32
